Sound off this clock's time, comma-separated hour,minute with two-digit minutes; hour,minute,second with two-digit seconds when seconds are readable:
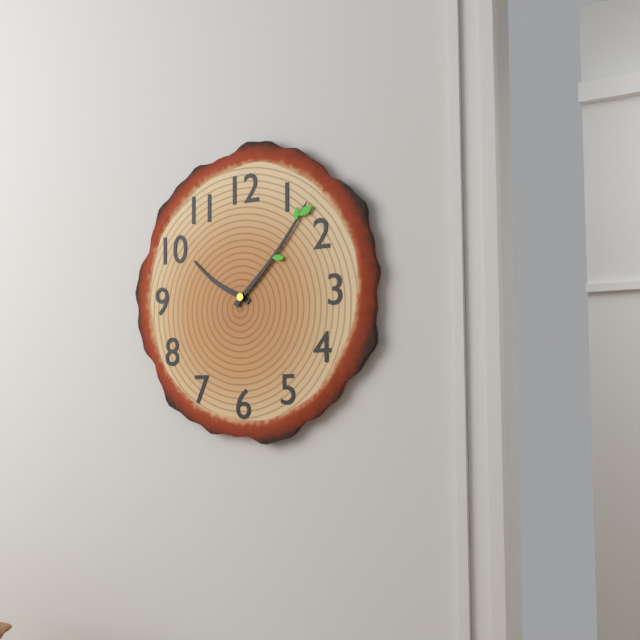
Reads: 10,07
